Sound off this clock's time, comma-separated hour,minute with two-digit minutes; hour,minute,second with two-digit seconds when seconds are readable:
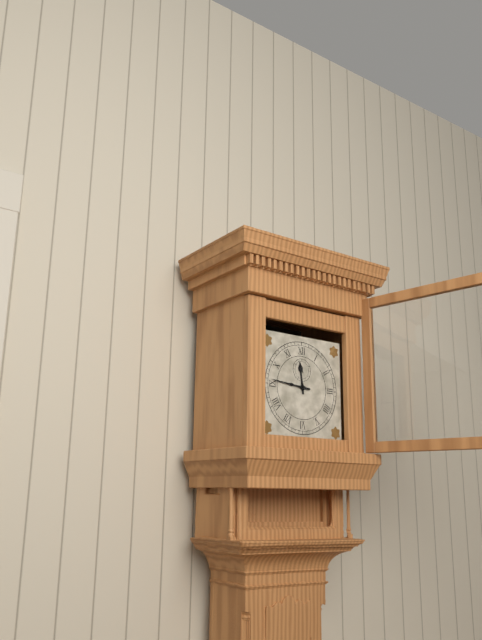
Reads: 11,46
